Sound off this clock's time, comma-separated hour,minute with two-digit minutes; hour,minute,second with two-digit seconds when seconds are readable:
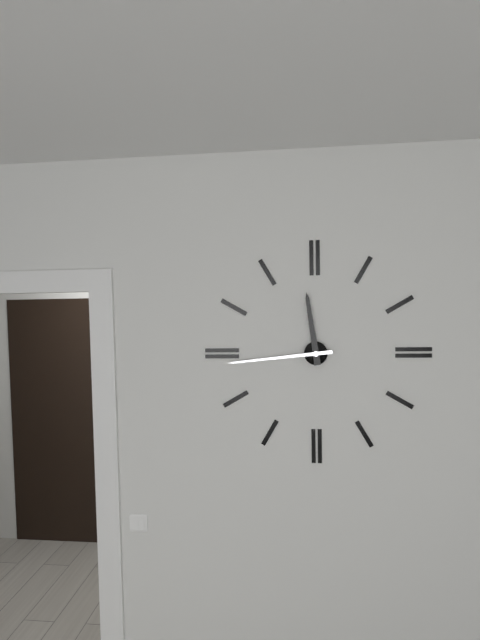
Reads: 11,44
